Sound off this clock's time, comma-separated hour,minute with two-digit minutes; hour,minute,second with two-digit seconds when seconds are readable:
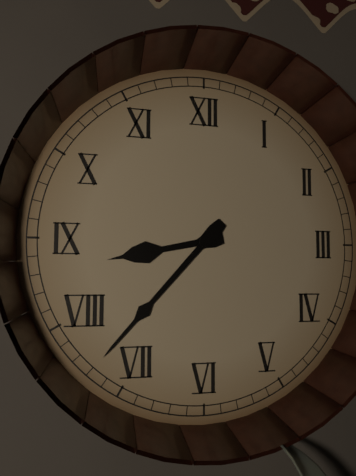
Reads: 8,37
